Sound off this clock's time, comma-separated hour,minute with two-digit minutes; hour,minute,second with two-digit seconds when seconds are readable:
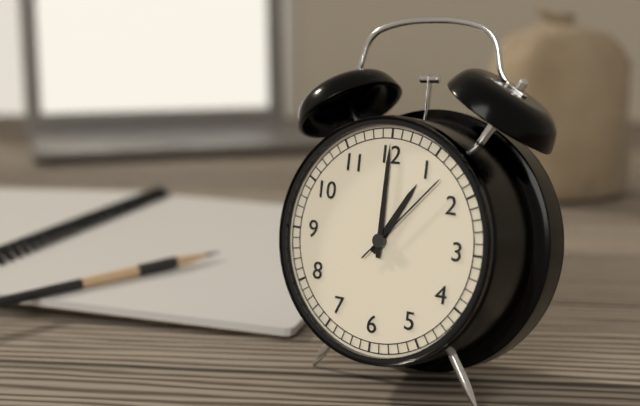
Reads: 1,00,07
